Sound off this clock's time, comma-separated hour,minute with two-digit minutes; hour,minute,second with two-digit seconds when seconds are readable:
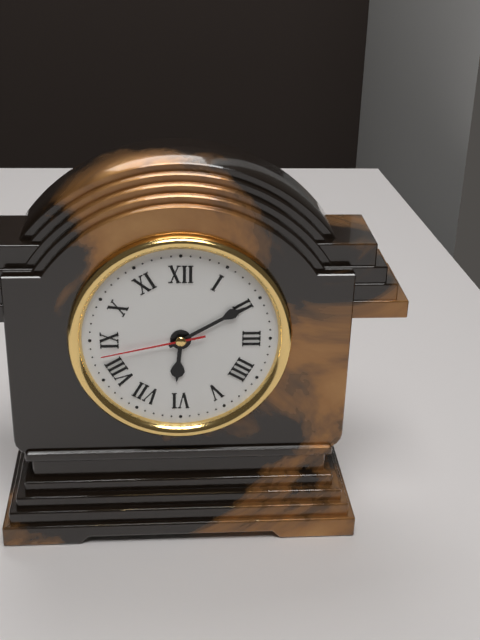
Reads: 6,10,43
